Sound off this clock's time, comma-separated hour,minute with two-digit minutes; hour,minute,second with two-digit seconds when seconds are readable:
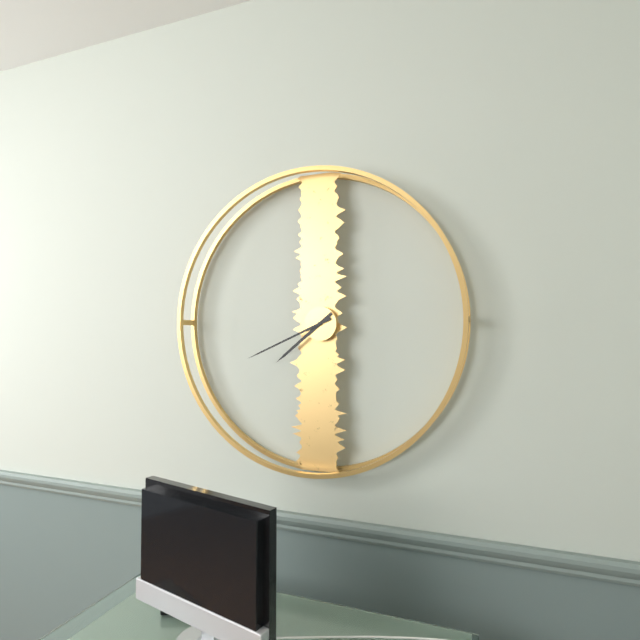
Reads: 7,41
